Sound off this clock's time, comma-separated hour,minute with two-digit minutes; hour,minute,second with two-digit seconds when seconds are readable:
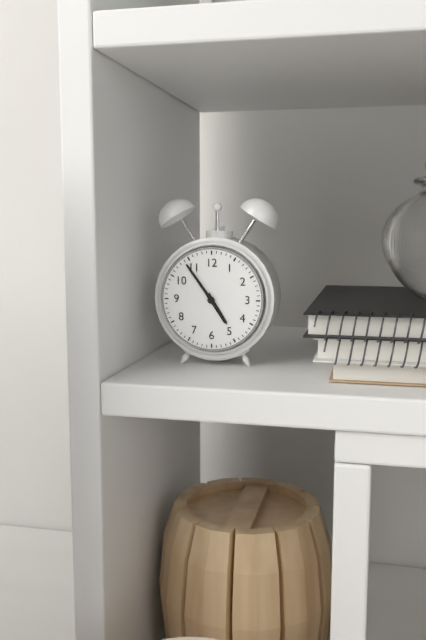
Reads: 4,54
